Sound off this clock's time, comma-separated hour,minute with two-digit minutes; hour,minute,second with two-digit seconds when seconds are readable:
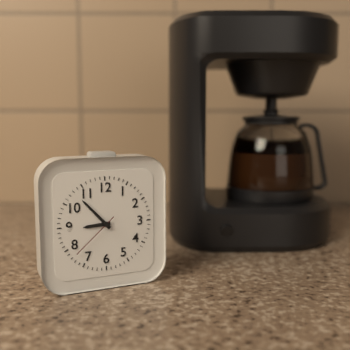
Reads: 8,53,38
